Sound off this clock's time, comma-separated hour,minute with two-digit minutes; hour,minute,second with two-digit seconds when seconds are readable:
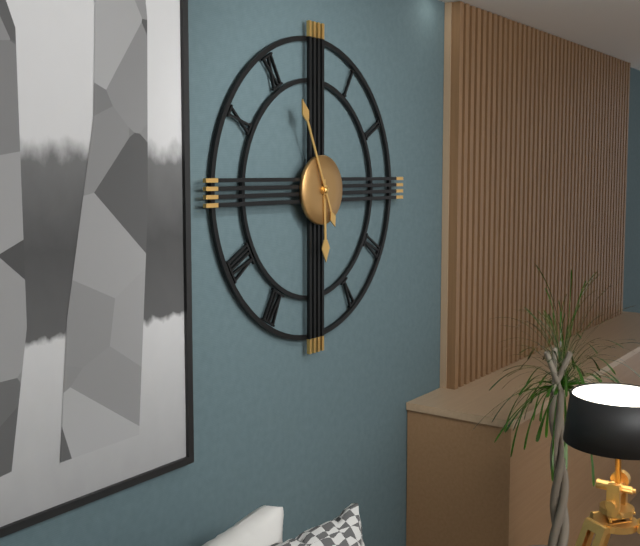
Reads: 5,56
